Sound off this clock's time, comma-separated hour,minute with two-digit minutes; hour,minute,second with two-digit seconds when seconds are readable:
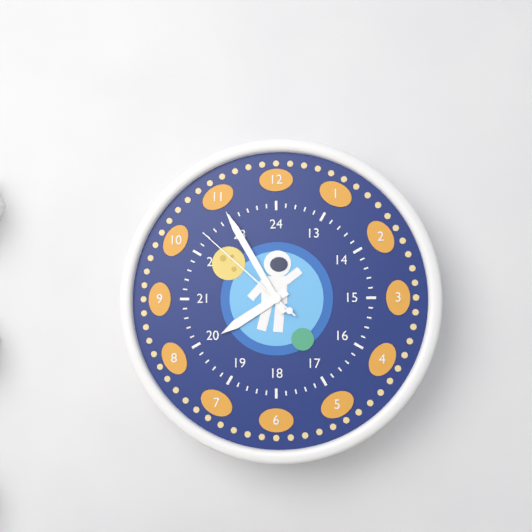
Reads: 7,55,52
